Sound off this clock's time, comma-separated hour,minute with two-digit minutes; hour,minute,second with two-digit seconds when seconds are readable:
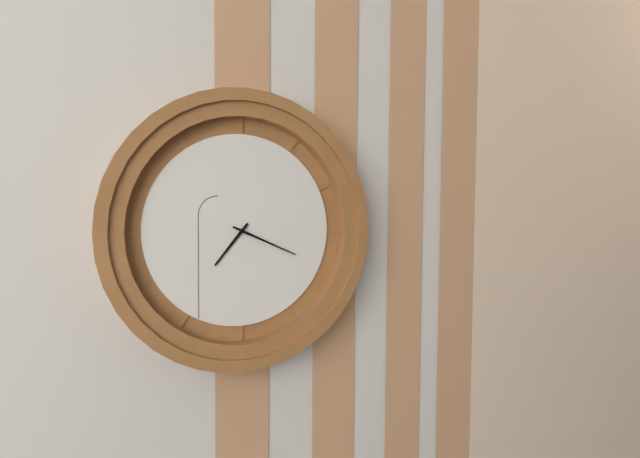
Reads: 7,19
